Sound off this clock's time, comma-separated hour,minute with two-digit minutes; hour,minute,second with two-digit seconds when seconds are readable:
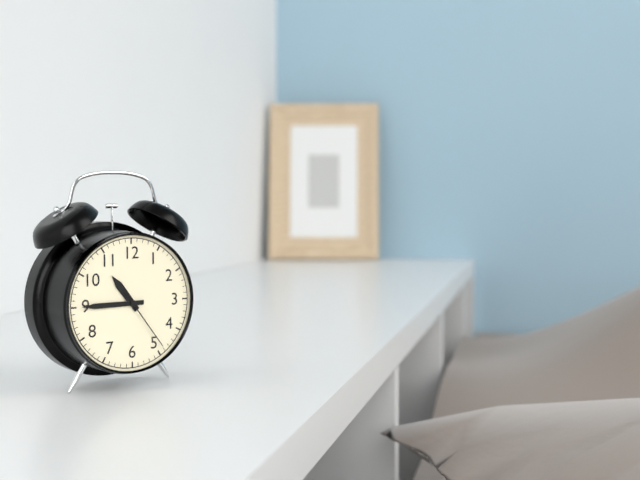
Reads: 10,45,24
